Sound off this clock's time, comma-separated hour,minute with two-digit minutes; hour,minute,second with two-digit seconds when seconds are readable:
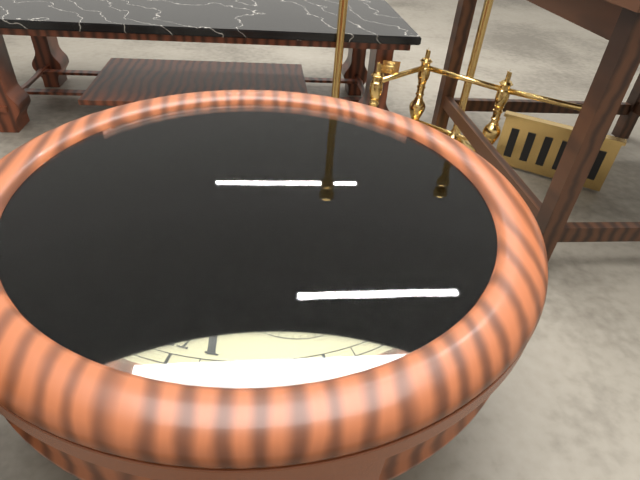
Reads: 9,25,55
